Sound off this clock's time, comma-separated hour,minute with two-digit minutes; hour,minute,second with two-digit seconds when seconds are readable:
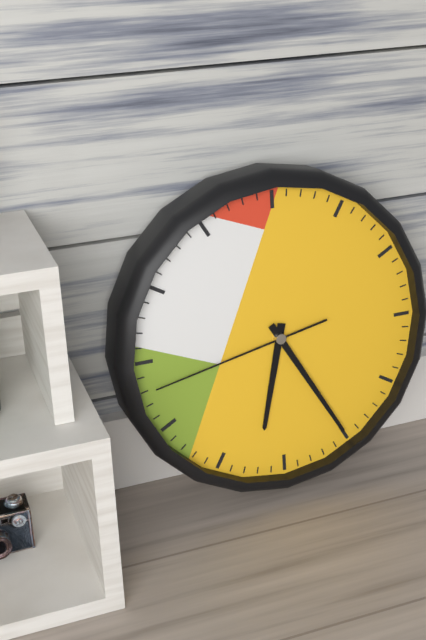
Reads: 6,25,43
